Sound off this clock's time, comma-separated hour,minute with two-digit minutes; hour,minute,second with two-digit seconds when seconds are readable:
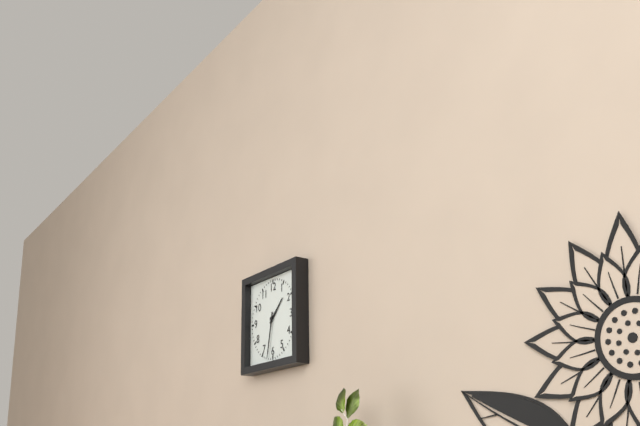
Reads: 1,32
